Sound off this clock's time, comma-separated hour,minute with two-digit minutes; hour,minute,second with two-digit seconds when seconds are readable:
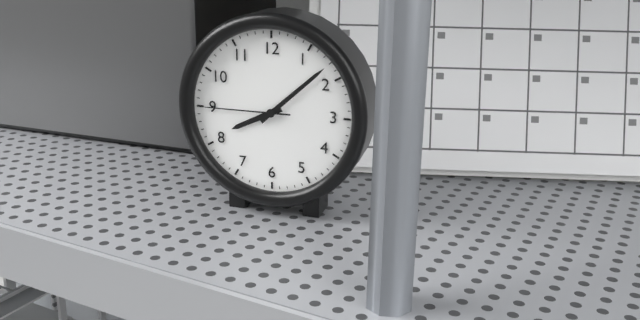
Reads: 8,08,45
